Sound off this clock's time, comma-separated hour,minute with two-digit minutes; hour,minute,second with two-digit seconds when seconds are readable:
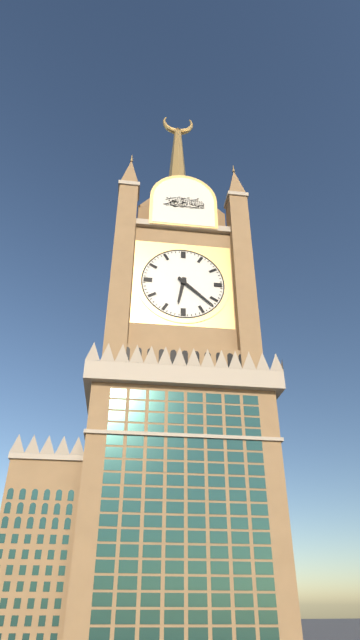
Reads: 6,22
